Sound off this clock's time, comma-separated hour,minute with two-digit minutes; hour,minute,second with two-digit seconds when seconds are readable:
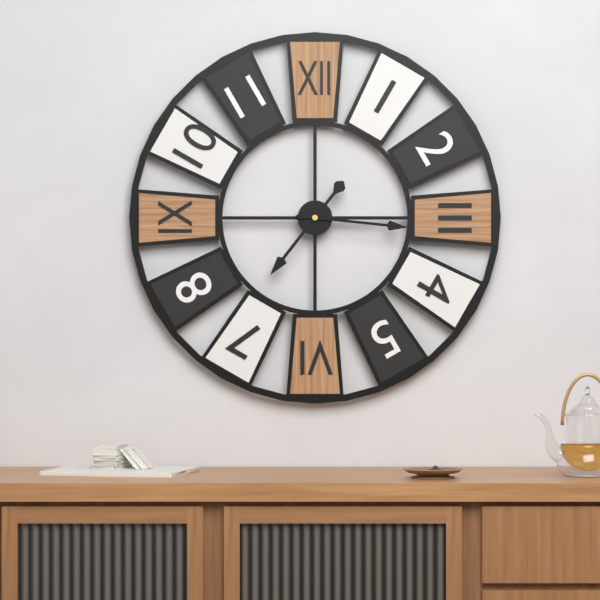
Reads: 7,16
